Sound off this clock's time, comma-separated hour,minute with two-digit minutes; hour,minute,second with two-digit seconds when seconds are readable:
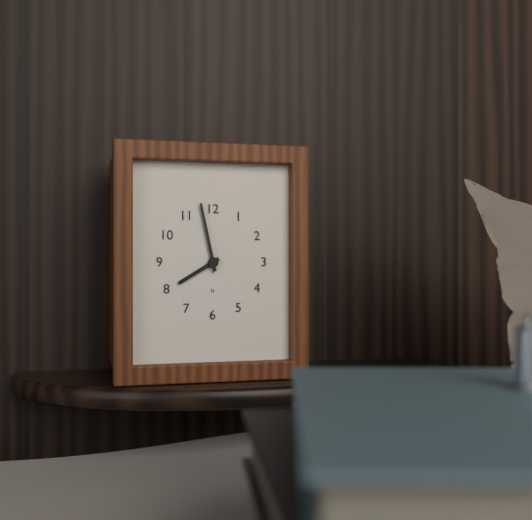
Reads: 7,58
